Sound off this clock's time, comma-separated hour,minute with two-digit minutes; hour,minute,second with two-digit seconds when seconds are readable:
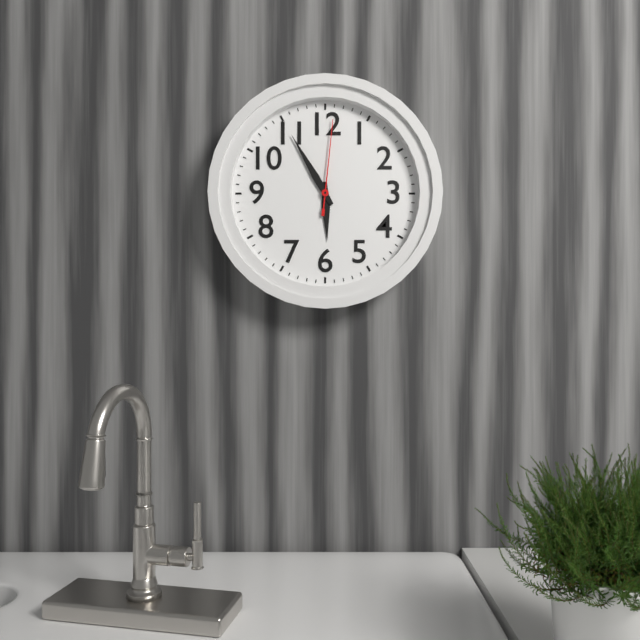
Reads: 5,55,01
